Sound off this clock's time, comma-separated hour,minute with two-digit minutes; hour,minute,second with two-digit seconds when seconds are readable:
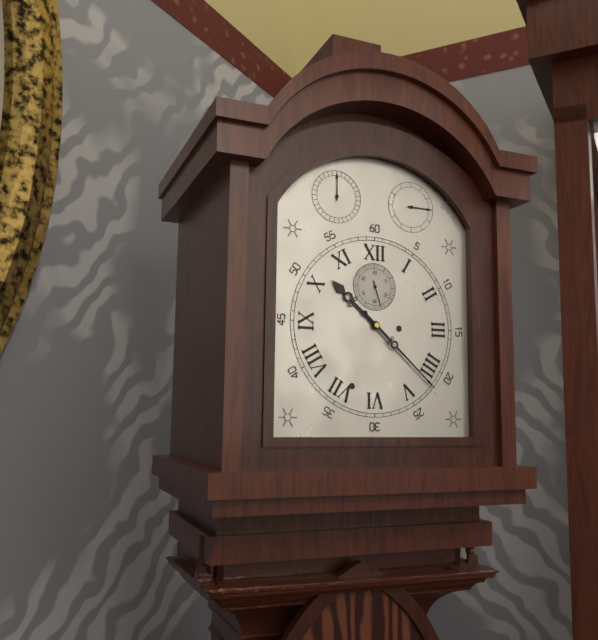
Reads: 10,22
